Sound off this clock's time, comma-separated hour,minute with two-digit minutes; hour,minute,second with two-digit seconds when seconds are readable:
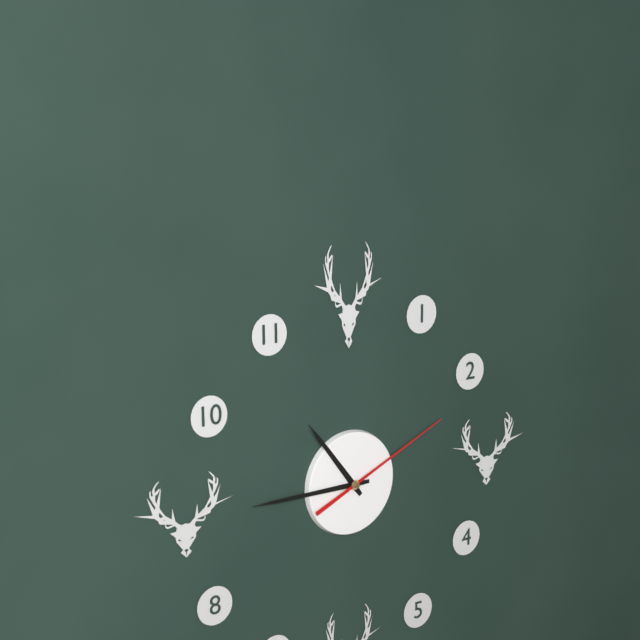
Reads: 10,45,11
